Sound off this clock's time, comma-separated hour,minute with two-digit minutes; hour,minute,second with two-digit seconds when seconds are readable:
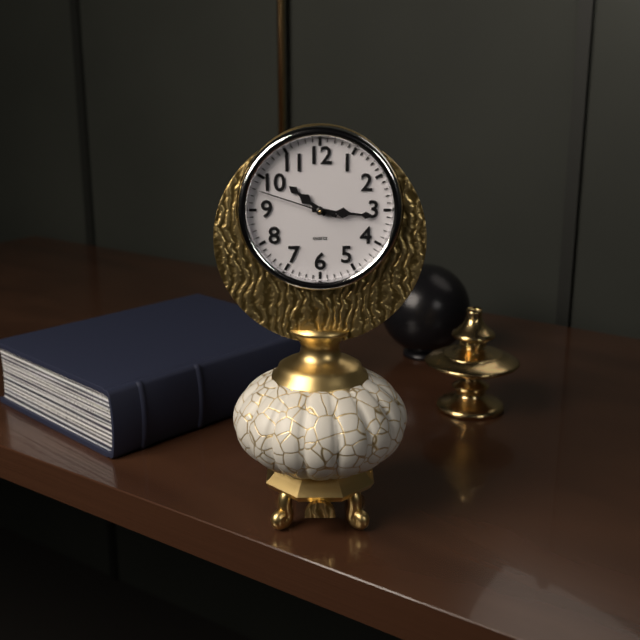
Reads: 10,16,48
